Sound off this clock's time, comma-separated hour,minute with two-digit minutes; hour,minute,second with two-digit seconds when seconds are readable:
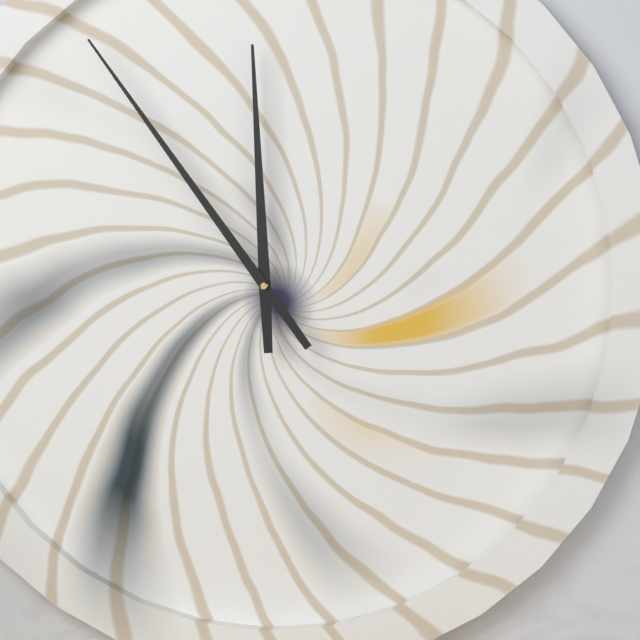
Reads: 11,54
